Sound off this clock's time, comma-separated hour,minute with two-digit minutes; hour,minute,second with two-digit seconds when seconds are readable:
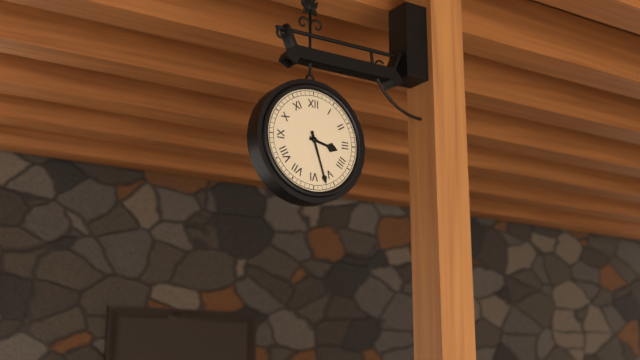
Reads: 3,27
